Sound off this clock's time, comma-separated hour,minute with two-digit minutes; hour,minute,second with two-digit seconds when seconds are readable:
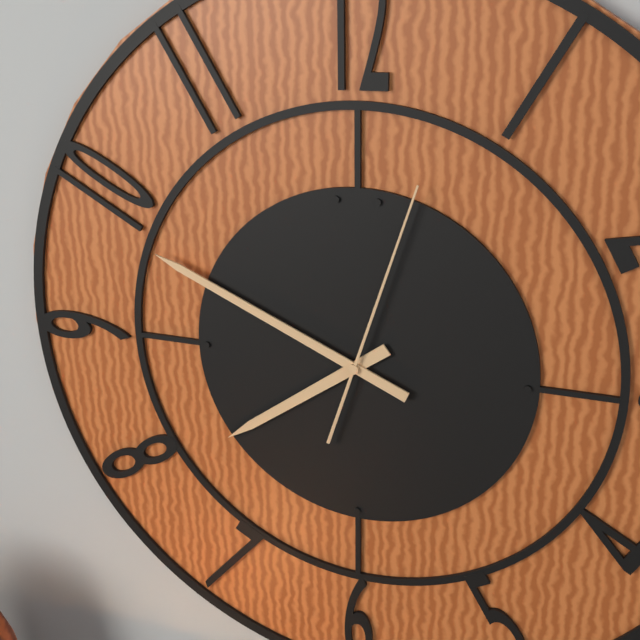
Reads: 7,49,03
